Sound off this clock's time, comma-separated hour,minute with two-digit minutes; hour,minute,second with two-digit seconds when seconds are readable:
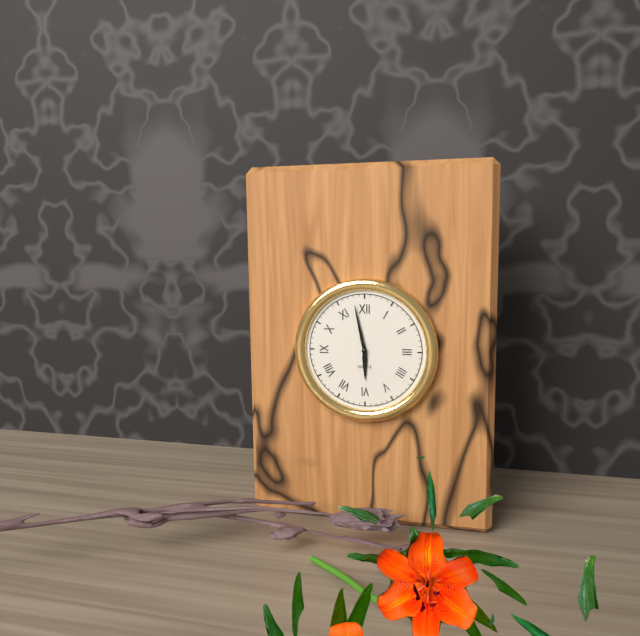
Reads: 5,58
